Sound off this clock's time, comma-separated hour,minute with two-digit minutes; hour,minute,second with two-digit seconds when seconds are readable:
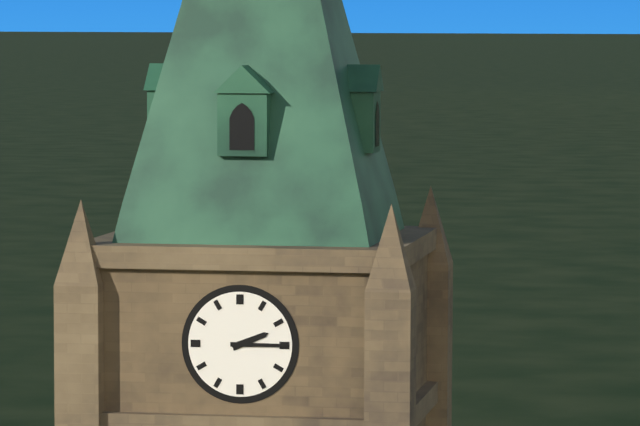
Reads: 2,15
